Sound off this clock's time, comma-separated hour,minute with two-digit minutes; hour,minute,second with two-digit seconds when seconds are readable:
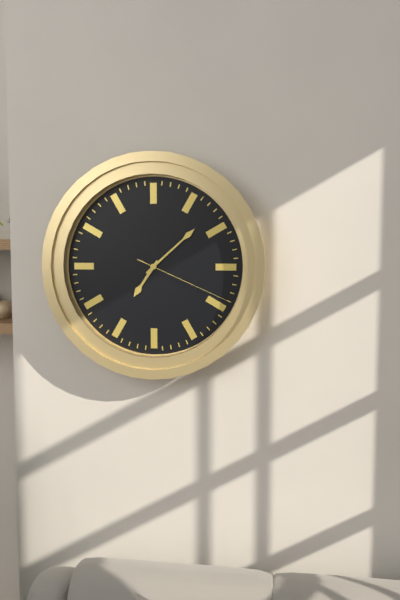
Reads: 7,08,19
